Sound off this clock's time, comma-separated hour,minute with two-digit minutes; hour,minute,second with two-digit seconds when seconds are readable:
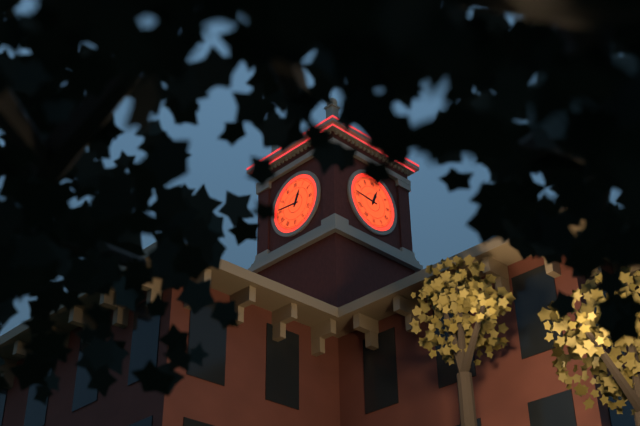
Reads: 12,46
